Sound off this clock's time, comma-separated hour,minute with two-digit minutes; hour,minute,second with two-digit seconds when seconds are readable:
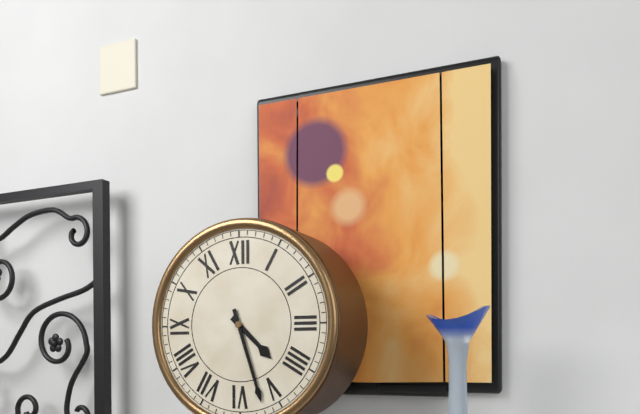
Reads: 4,27
